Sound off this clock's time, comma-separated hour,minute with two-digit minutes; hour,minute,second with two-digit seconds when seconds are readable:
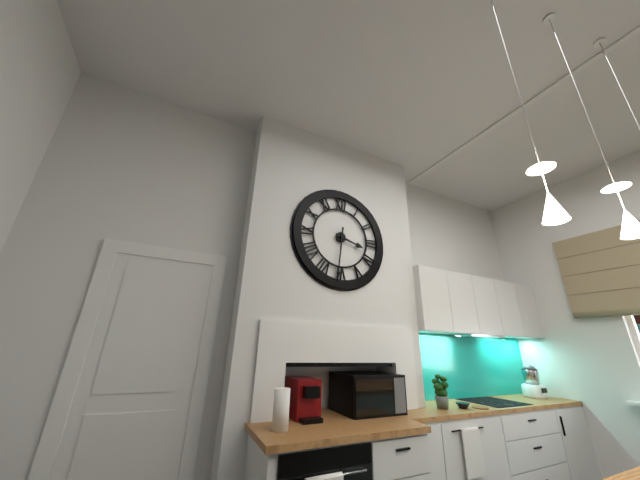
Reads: 3,31
